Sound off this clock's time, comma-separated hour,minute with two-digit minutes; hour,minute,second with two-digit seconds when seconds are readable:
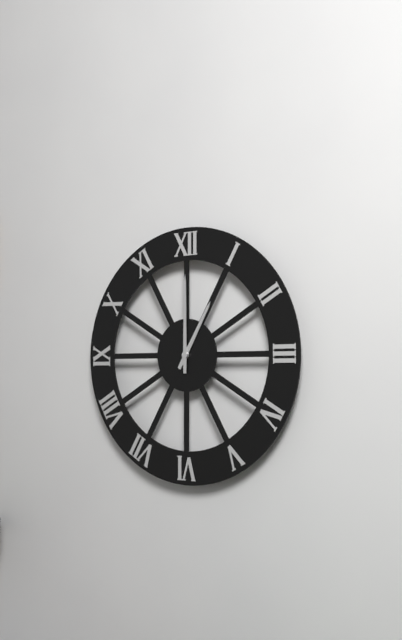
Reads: 1,00
